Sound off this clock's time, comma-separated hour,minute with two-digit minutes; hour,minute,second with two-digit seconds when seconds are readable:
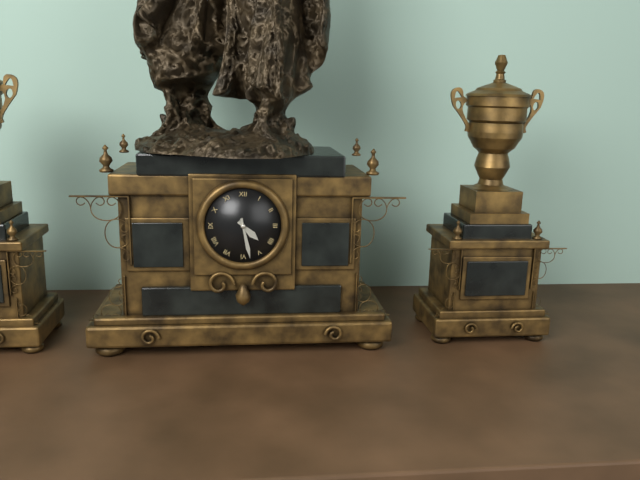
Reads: 4,28
